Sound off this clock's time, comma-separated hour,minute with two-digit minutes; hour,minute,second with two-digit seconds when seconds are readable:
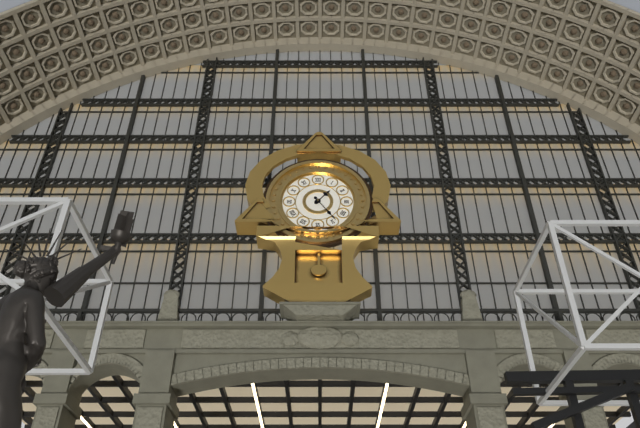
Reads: 1,24
